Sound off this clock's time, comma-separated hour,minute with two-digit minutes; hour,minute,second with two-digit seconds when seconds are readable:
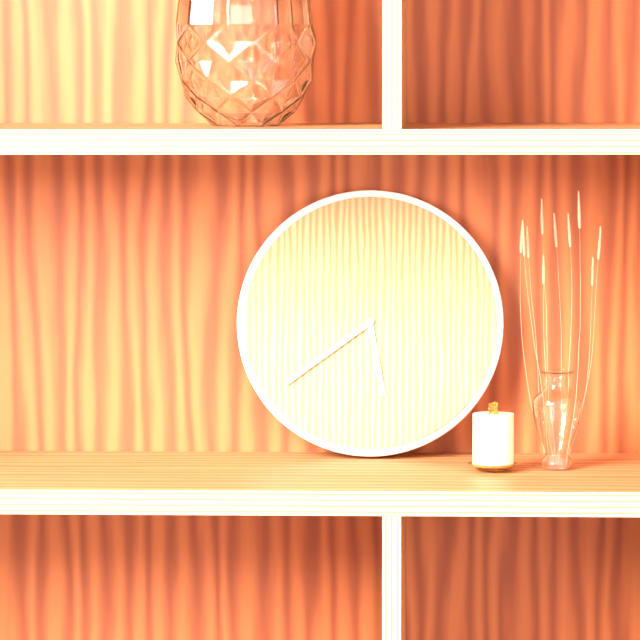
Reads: 5,39
